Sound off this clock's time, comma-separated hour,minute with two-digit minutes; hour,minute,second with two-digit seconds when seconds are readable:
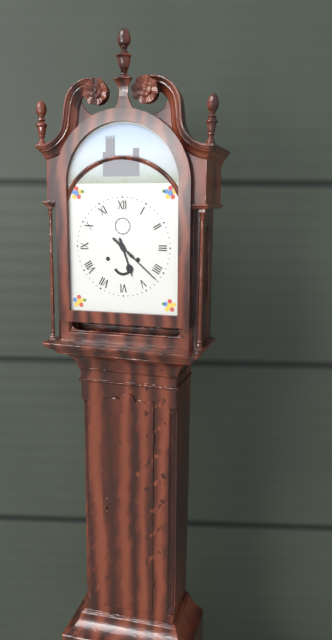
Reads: 5,22
